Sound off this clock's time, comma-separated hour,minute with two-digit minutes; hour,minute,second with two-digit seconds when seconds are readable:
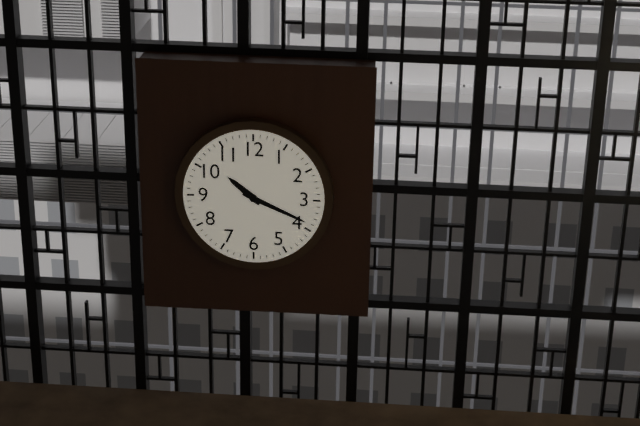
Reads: 10,19
